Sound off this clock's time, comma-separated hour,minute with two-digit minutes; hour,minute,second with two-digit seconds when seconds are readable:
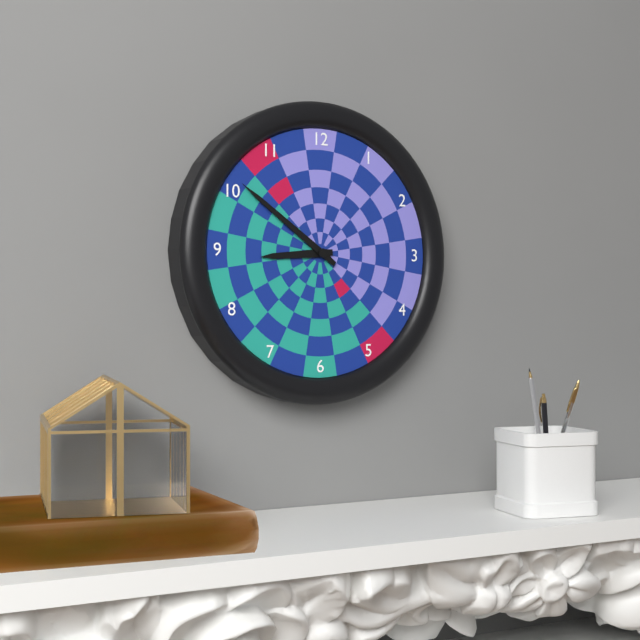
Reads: 8,51
